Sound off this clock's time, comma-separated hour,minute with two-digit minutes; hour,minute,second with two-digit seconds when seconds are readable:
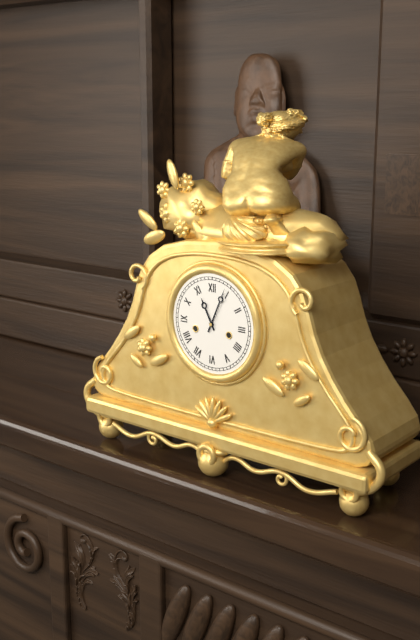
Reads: 11,04
